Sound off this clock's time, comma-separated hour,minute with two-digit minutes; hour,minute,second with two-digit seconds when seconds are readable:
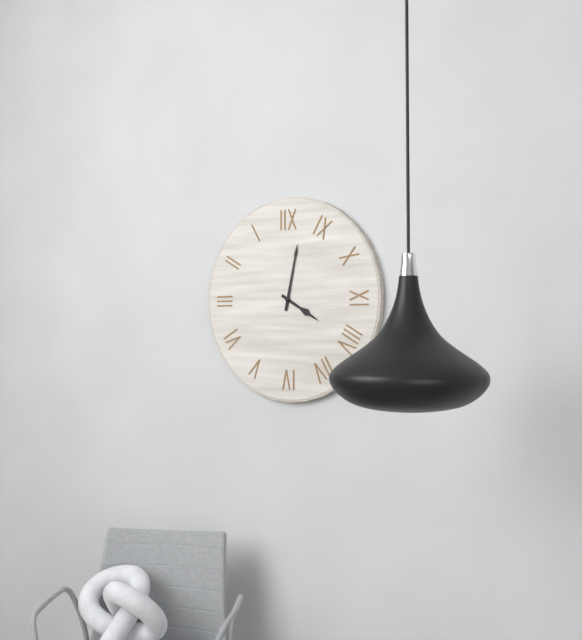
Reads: 4,02
